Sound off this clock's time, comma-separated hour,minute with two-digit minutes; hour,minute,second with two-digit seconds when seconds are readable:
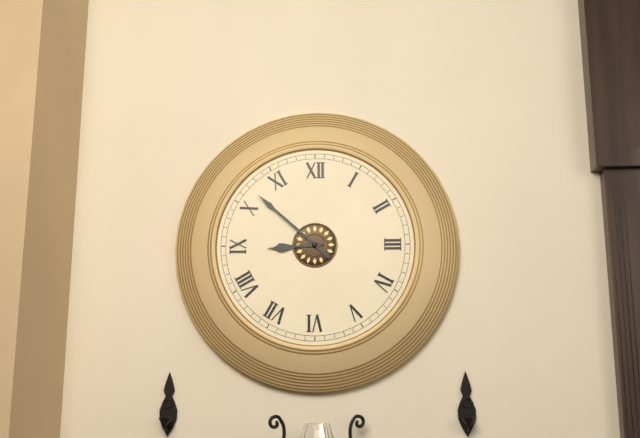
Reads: 8,52
